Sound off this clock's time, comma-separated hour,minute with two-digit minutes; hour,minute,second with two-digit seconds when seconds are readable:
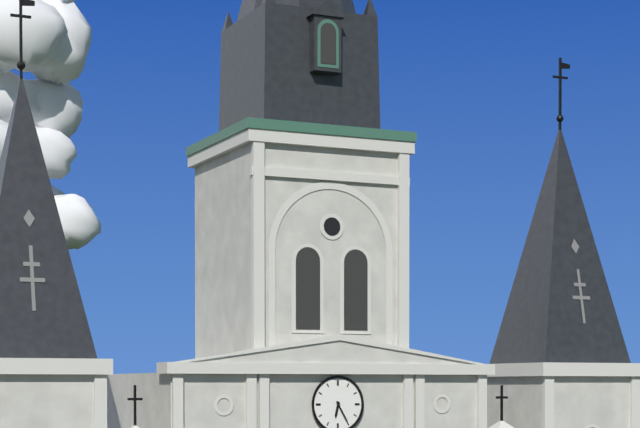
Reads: 6,25
